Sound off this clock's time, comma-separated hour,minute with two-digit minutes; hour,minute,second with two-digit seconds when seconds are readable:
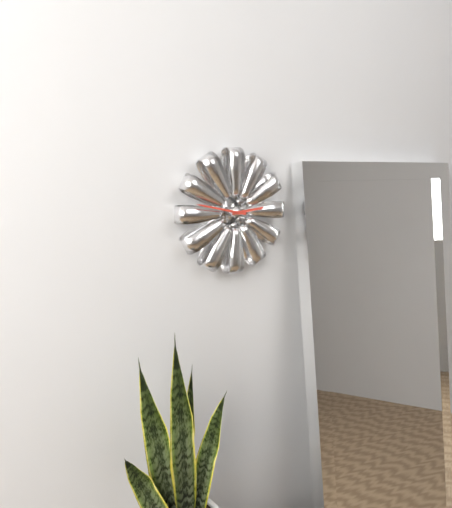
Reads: 2,47
